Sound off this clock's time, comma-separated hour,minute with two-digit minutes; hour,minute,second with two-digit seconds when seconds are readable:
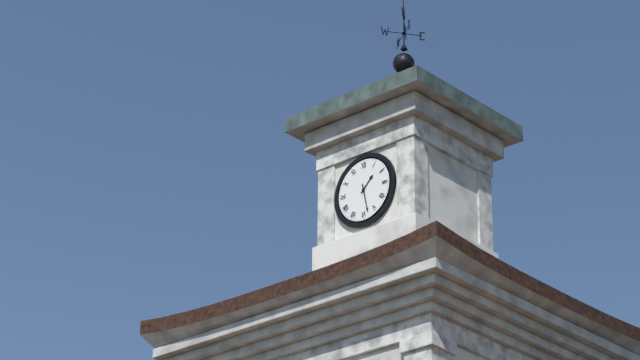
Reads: 1,28
